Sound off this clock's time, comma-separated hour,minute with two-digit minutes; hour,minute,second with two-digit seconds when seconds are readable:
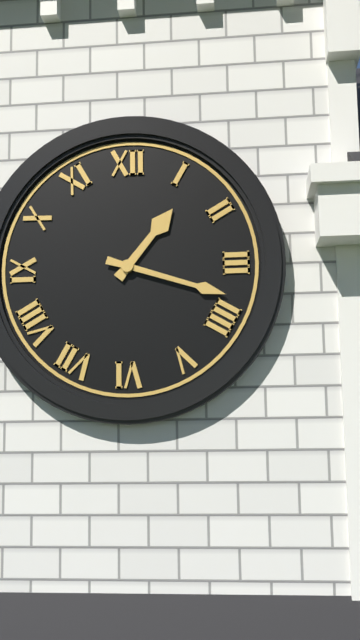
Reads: 1,18
